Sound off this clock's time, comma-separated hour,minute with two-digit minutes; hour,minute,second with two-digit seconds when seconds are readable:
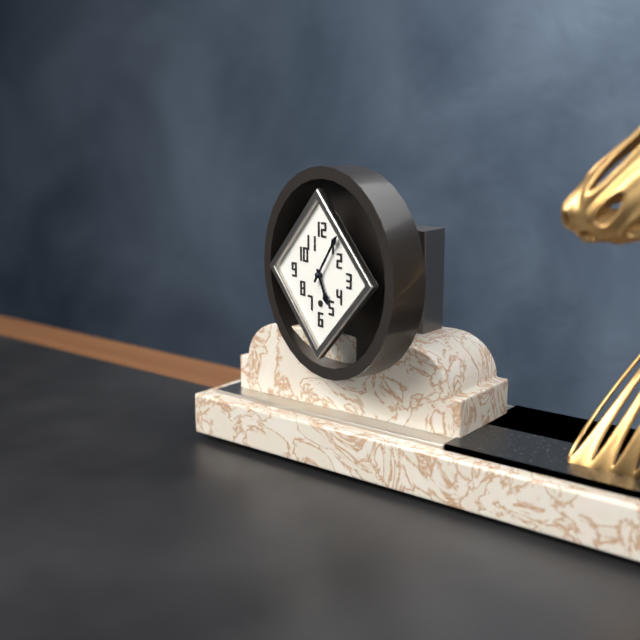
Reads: 5,06
